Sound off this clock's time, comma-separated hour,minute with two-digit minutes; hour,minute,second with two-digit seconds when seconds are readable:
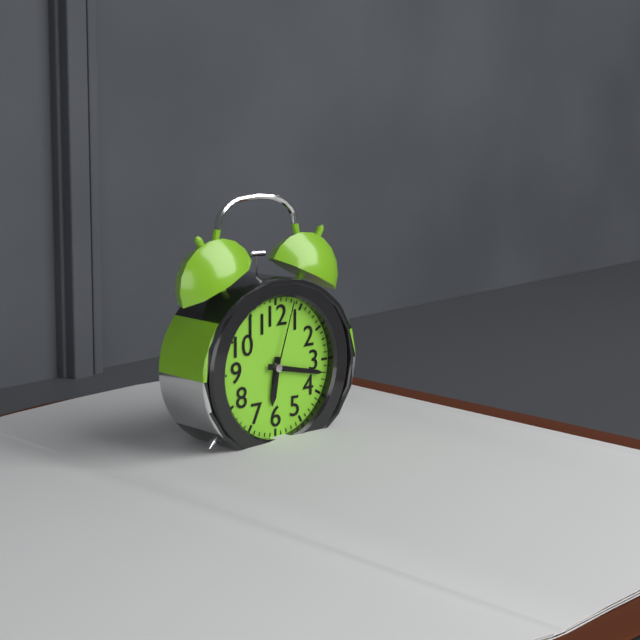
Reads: 6,17,03
